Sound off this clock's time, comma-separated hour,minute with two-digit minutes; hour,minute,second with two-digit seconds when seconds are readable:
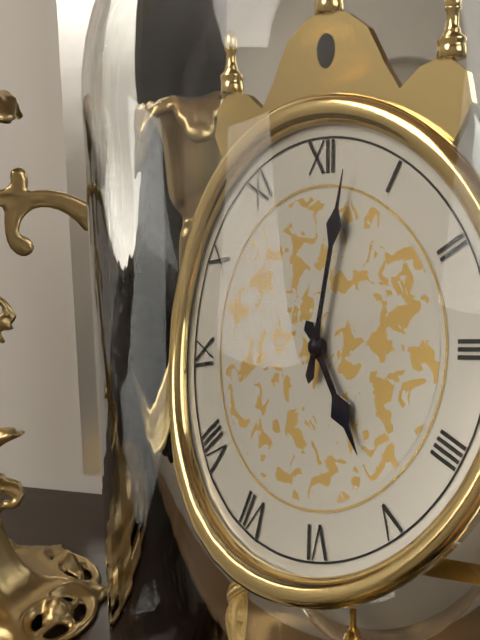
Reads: 5,02
